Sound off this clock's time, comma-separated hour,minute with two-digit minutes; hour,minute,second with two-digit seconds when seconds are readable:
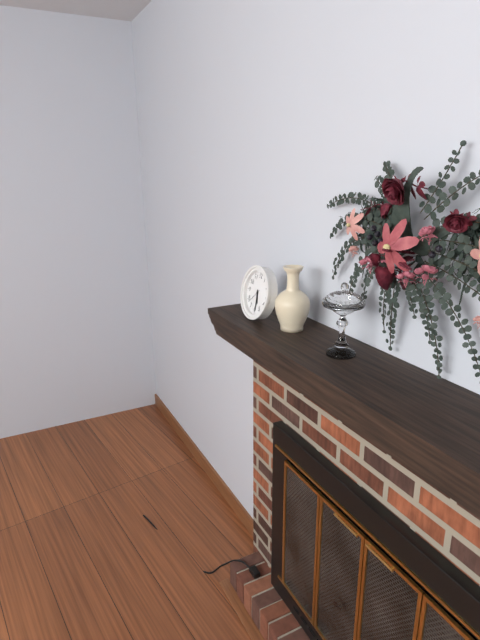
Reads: 5,29
